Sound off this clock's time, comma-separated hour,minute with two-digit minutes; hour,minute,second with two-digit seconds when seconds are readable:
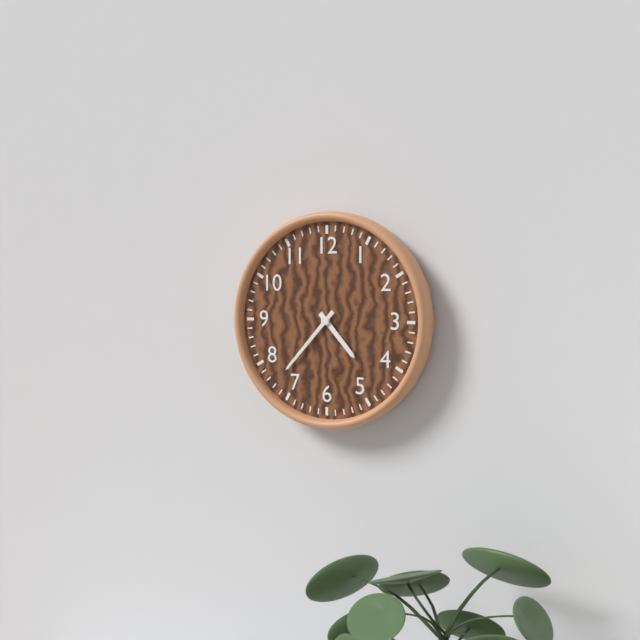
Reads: 4,37
